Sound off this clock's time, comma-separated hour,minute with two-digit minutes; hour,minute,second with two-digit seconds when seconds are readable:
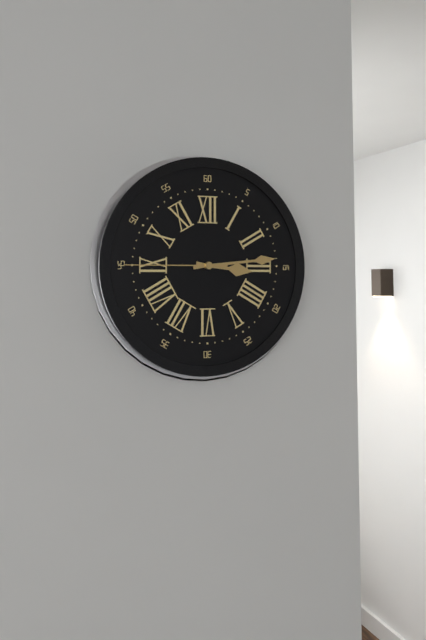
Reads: 3,14,45
